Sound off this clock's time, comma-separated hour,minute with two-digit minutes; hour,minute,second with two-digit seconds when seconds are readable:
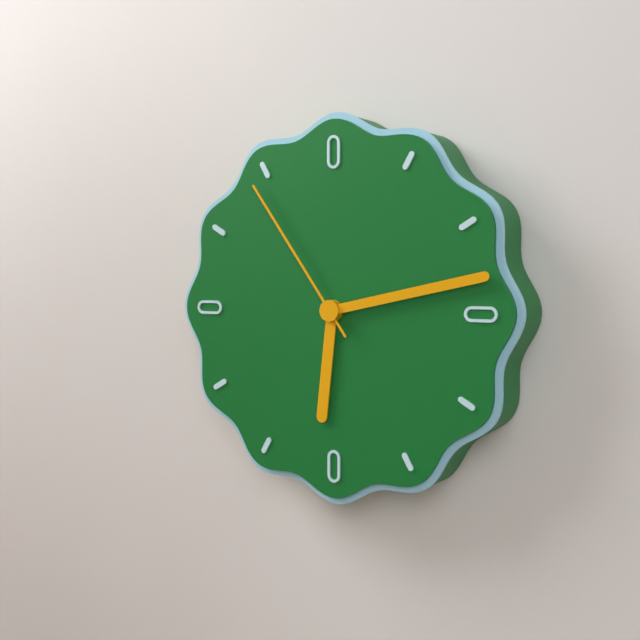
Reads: 6,13,54
